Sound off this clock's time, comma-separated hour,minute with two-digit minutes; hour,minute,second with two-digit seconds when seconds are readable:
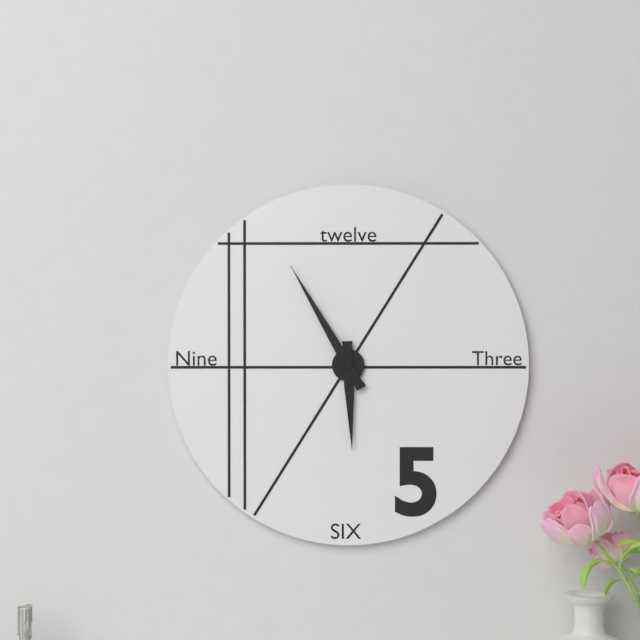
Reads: 5,55
